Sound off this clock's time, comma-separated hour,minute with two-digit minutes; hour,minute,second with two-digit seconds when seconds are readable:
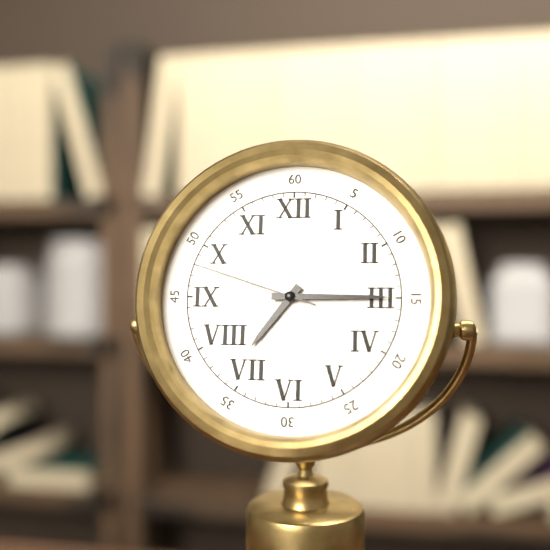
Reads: 7,15,48
